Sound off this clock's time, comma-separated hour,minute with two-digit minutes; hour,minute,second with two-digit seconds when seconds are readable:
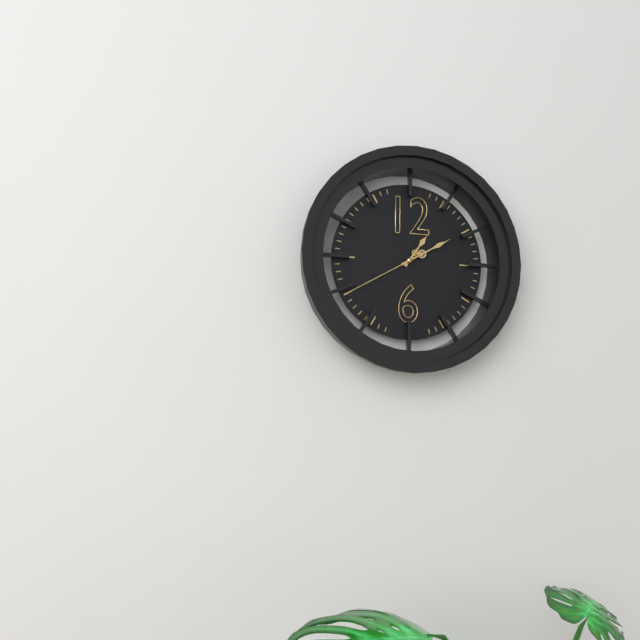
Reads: 1,10,40
